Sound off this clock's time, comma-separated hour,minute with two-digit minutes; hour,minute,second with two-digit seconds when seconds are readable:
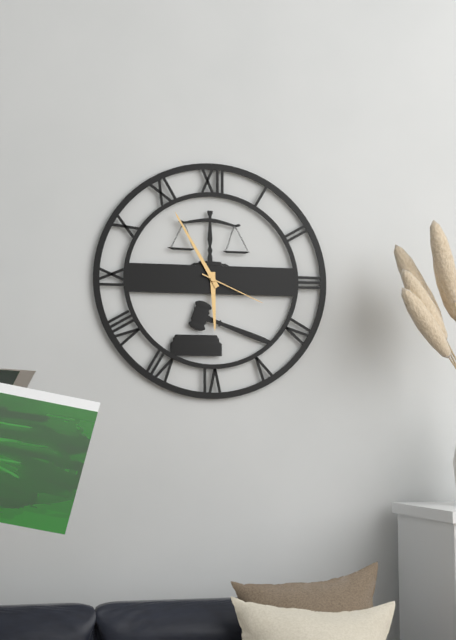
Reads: 5,55,19
